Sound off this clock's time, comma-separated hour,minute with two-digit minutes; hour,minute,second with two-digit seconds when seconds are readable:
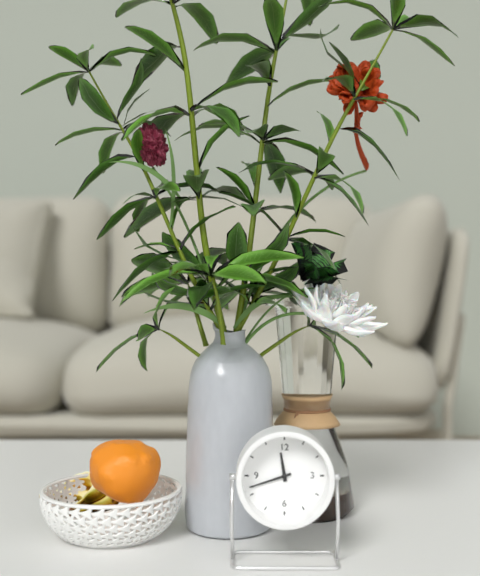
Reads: 11,42
